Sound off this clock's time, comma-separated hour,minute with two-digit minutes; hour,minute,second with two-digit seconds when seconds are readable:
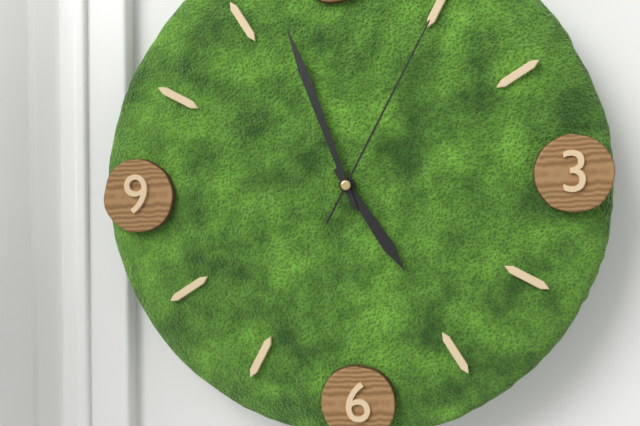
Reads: 4,57,05
